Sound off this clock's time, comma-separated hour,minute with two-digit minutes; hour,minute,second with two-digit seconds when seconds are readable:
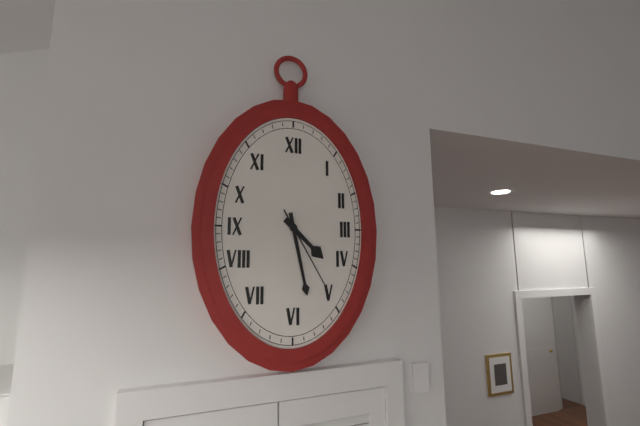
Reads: 4,28,25
